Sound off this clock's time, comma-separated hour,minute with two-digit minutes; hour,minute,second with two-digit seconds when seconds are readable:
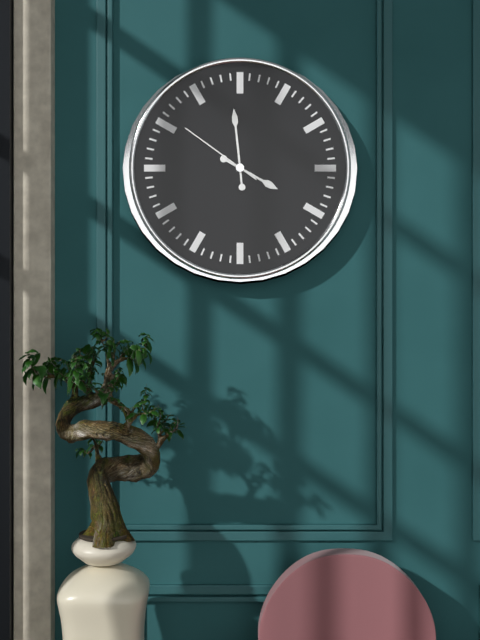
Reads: 3,59,51
